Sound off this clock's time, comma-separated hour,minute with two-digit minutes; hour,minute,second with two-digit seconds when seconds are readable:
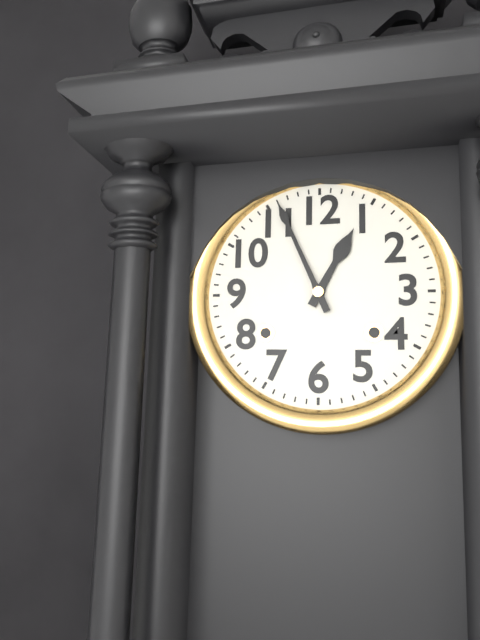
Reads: 12,56
